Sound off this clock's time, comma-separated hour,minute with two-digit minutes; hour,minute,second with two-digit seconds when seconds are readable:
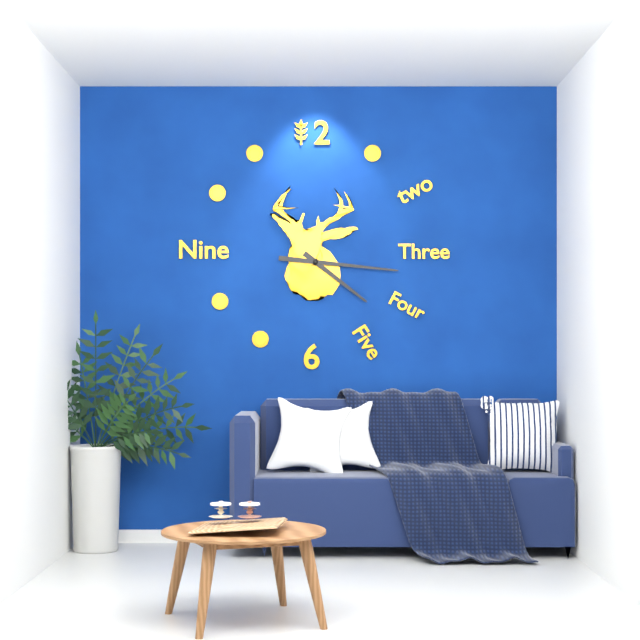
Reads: 4,16
